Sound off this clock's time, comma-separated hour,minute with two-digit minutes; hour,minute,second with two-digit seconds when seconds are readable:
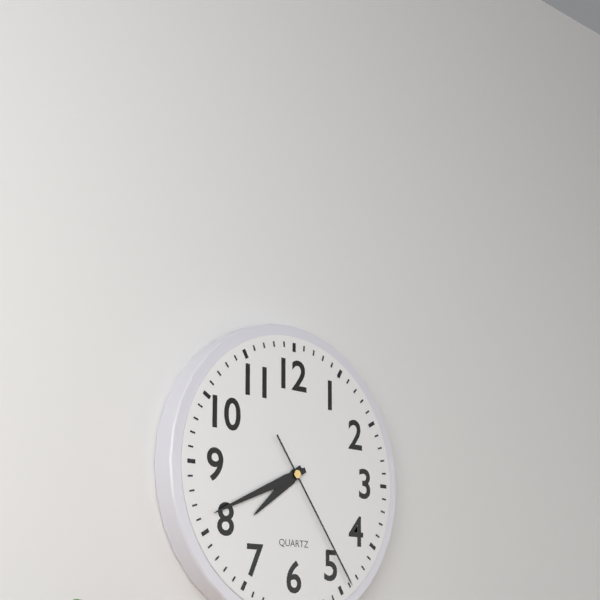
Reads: 7,41,24
